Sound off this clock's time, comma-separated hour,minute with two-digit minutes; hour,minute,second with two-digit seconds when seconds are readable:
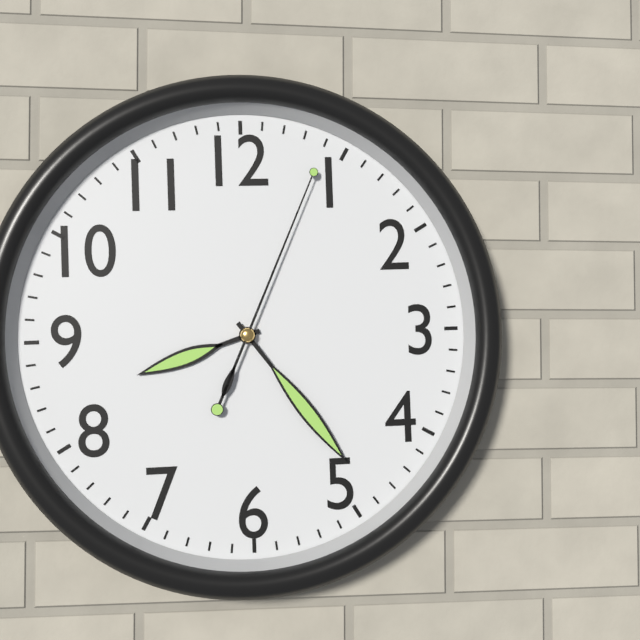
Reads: 8,24,04
